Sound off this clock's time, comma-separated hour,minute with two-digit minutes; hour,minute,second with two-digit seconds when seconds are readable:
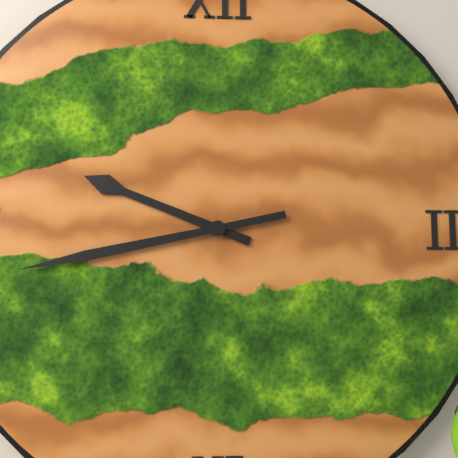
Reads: 9,43
